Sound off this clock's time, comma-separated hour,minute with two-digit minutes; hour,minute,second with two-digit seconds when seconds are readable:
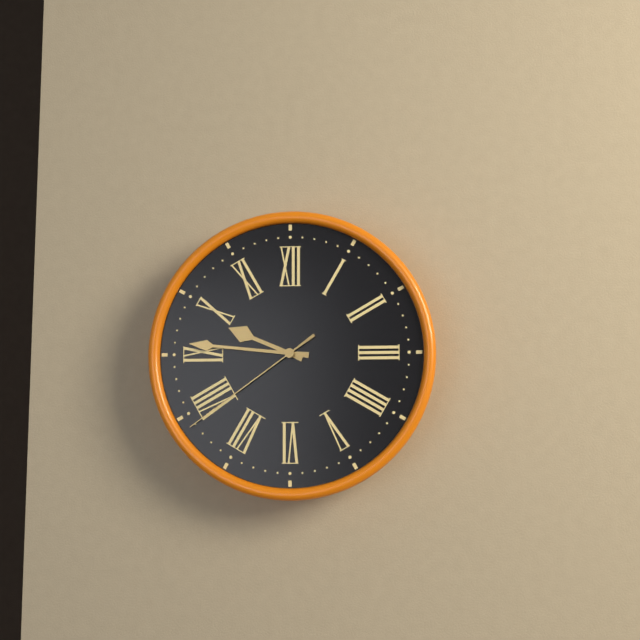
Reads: 9,46,39
